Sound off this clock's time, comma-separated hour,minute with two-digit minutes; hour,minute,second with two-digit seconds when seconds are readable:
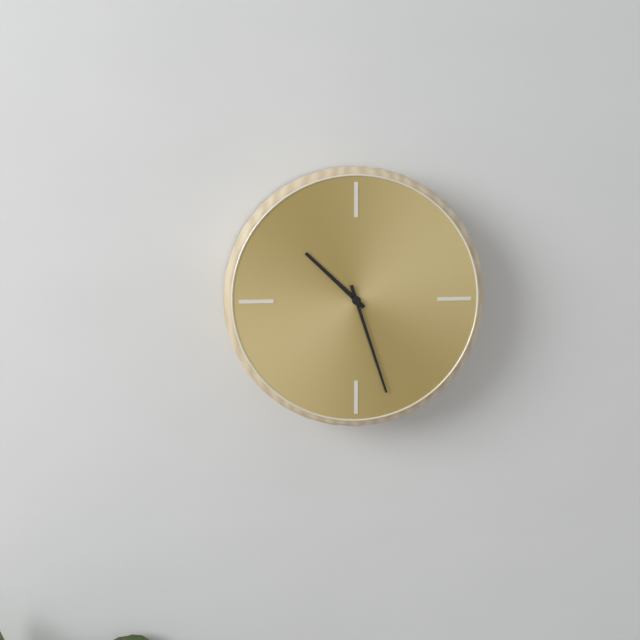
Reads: 10,27
